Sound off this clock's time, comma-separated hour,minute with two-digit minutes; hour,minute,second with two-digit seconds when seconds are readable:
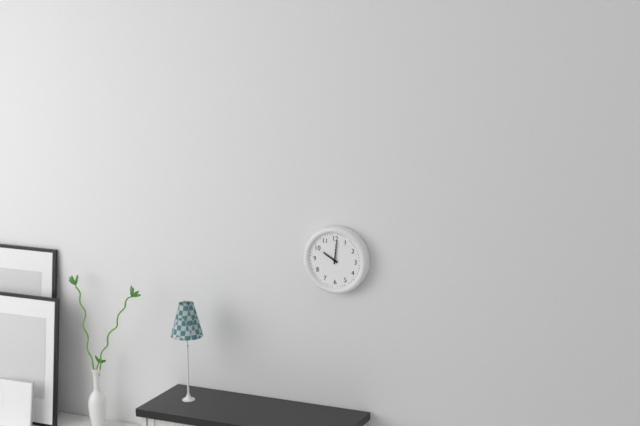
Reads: 10,01
